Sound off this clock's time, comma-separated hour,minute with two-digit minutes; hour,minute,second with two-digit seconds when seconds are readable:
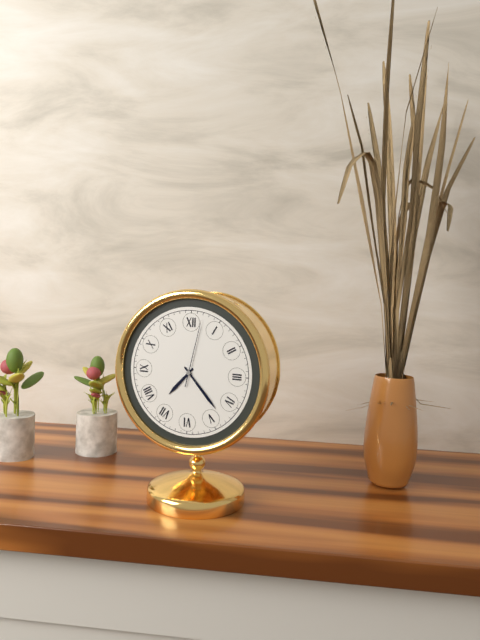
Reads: 7,23,02
